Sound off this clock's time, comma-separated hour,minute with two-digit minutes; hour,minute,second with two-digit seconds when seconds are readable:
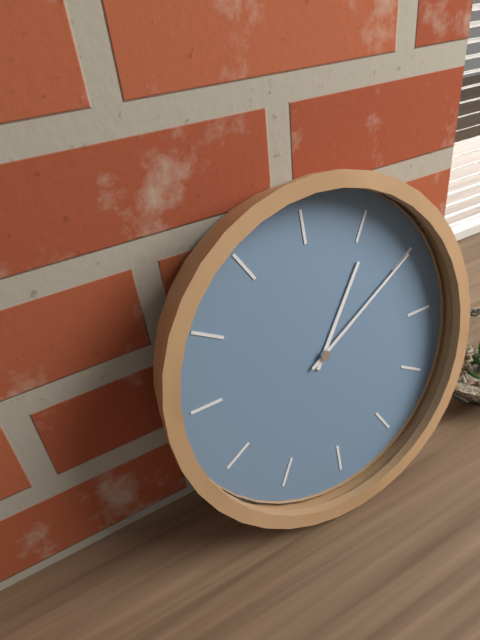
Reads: 1,10
